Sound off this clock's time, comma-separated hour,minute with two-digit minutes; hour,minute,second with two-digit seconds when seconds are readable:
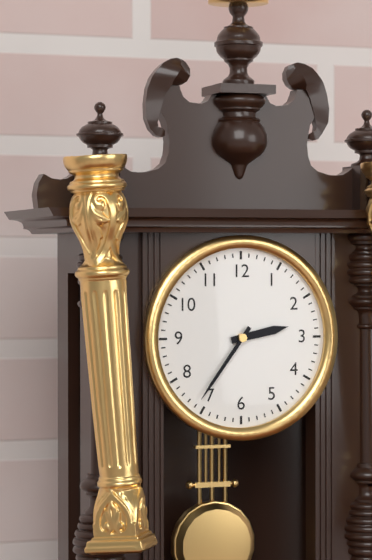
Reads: 2,36
